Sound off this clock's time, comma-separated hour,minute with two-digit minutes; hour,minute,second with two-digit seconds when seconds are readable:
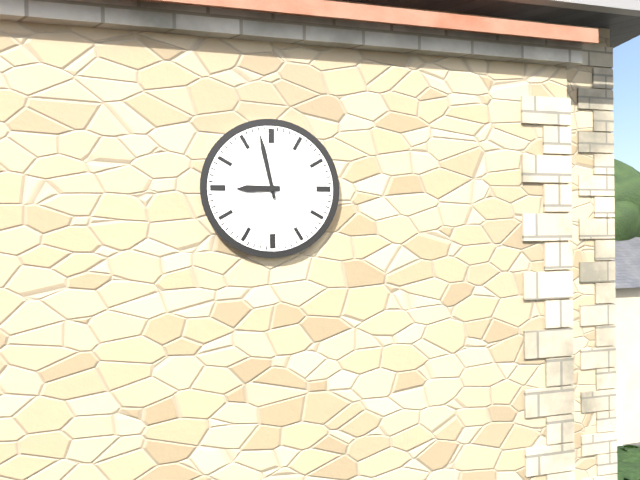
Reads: 8,58
